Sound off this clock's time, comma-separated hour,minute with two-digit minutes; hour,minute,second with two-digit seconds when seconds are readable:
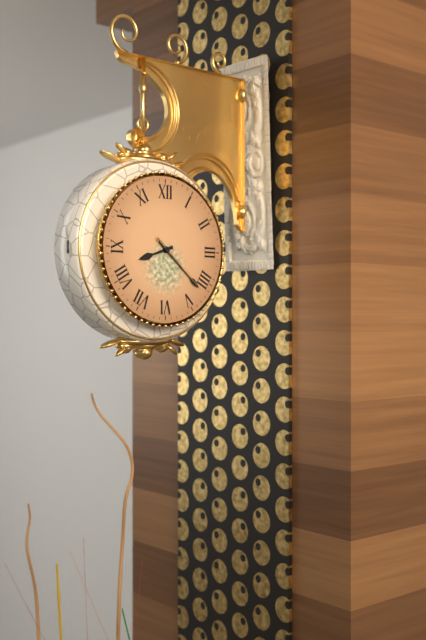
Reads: 8,22,22
